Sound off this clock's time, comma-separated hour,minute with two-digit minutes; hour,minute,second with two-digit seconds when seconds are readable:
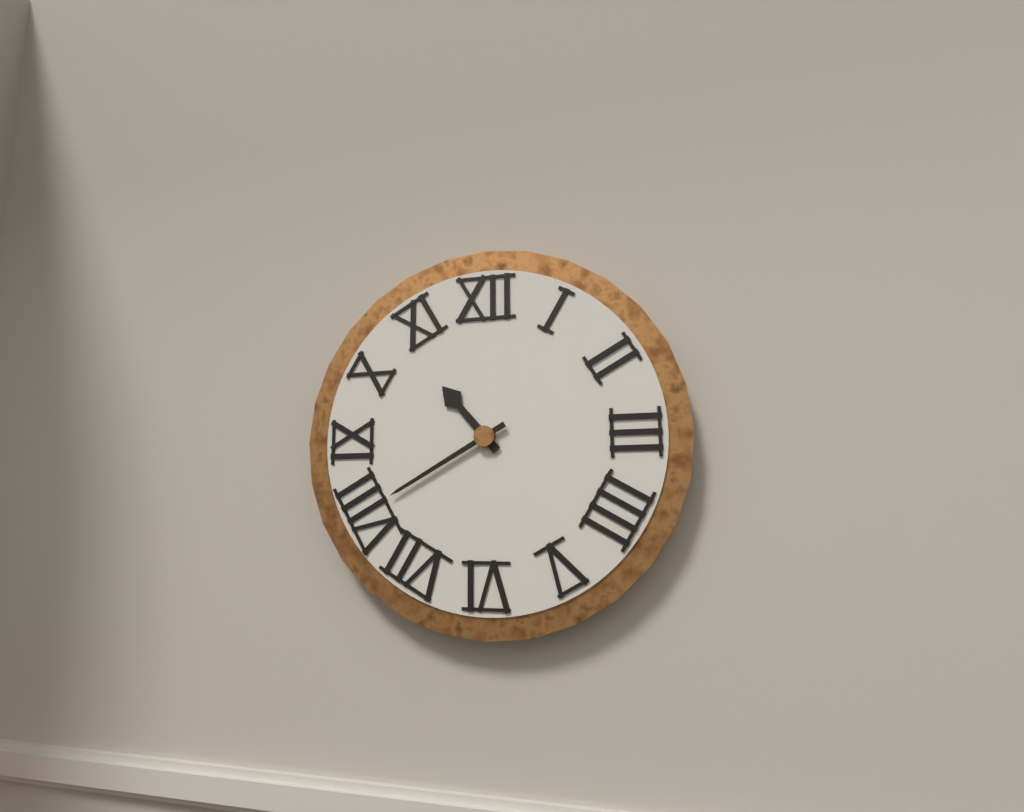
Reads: 10,40
